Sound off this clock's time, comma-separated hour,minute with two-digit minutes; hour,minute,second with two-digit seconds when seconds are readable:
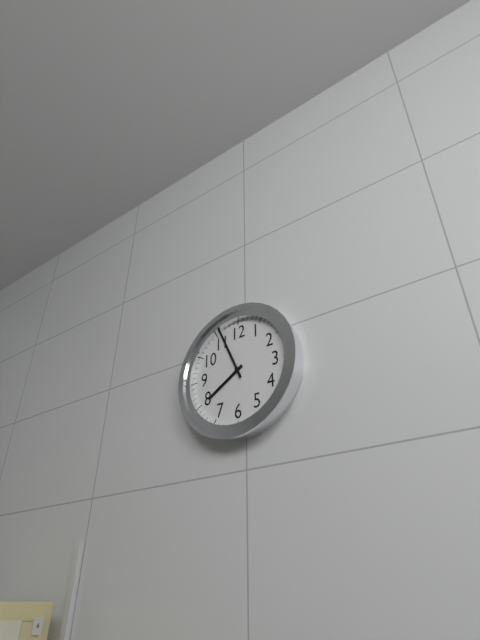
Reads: 7,56
